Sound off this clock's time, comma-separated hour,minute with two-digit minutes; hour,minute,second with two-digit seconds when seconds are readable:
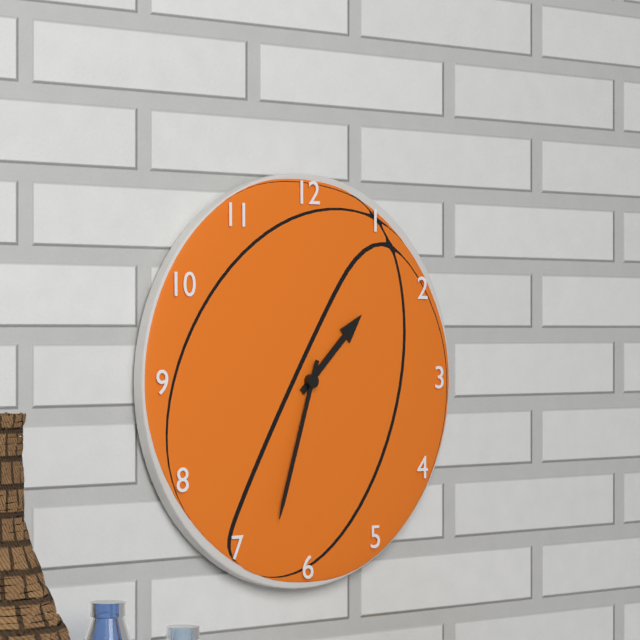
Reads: 1,33
